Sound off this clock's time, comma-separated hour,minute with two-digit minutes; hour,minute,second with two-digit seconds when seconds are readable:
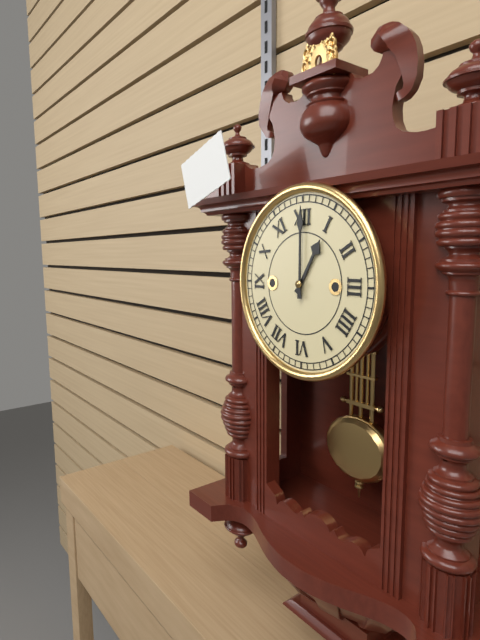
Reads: 1,00
